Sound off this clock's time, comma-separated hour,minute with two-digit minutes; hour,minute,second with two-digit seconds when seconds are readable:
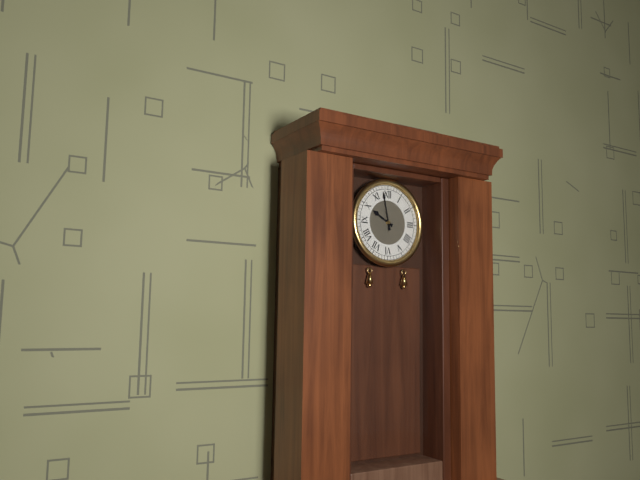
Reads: 9,58
